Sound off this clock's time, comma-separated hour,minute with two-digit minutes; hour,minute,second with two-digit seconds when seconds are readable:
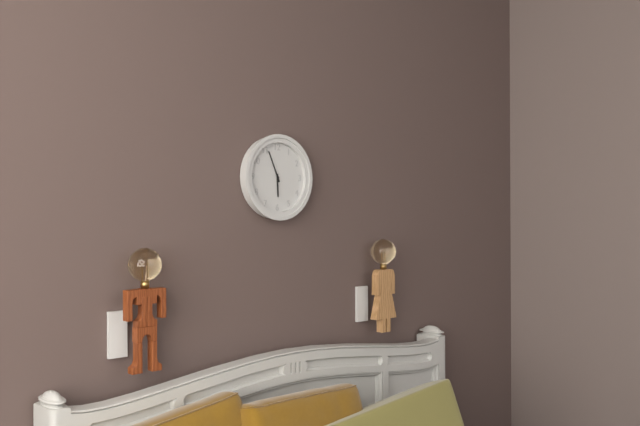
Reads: 5,56
